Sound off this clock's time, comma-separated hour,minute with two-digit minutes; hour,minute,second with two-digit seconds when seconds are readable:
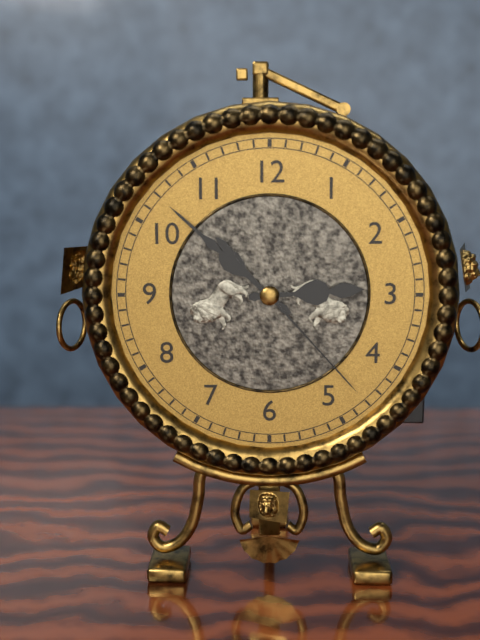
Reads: 2,52,23
